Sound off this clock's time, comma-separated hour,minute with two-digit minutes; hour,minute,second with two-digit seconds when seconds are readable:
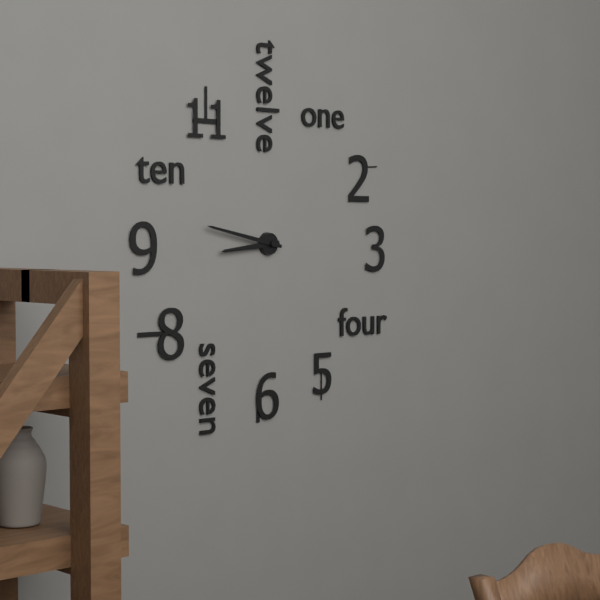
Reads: 8,47
